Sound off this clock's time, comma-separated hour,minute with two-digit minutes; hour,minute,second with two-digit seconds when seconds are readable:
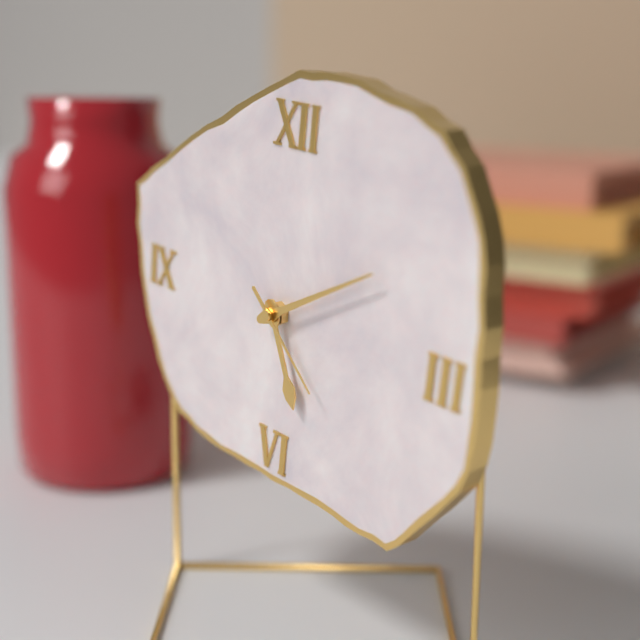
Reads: 5,10,22
